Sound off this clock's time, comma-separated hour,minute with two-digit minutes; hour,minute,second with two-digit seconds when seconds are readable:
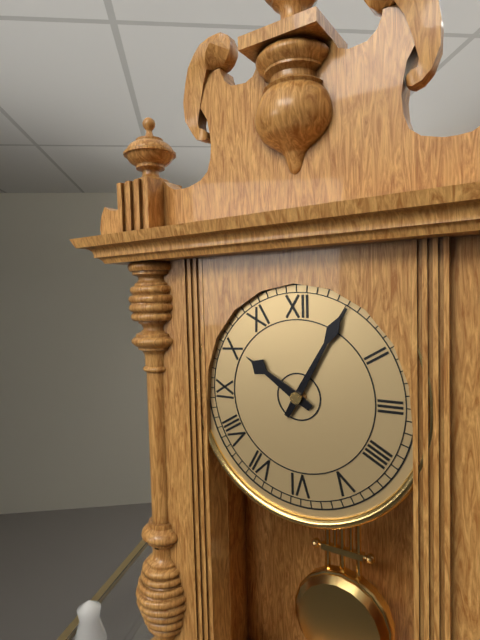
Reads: 10,05
